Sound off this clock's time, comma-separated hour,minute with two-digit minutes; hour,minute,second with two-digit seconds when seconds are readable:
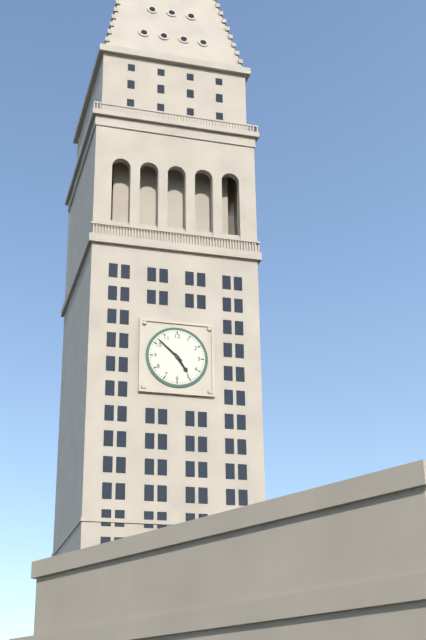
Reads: 4,52
